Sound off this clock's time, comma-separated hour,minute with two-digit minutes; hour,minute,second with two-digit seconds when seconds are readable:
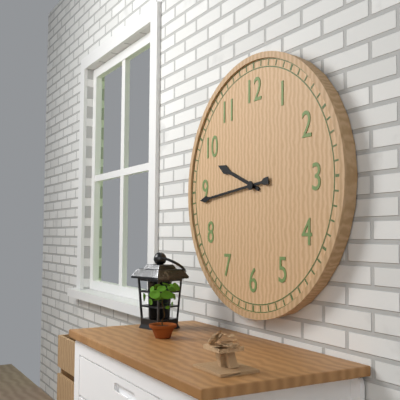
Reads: 9,44
